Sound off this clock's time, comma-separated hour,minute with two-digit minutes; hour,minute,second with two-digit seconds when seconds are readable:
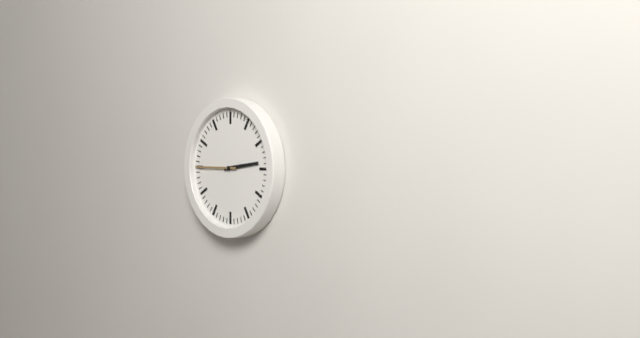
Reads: 2,45
